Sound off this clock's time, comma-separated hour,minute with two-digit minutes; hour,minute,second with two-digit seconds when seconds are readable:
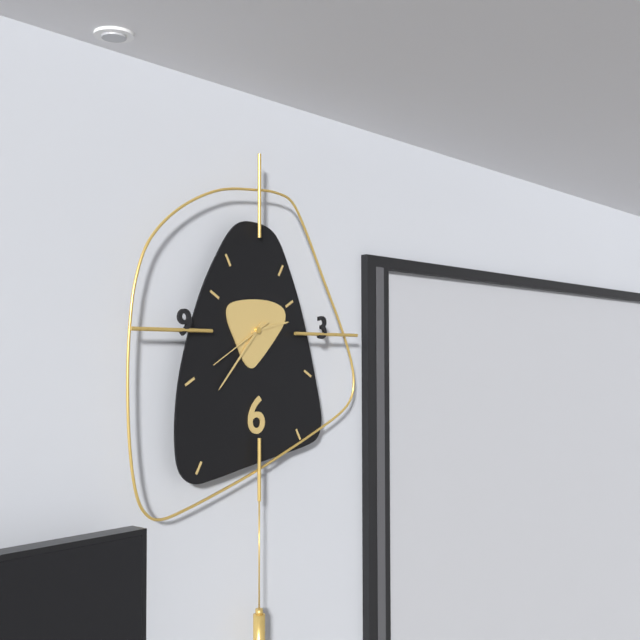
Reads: 2,37,40
